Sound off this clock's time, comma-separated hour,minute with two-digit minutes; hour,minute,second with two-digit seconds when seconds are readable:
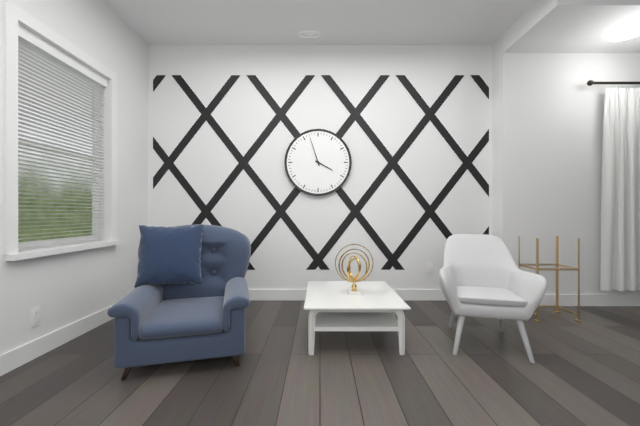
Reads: 3,57
